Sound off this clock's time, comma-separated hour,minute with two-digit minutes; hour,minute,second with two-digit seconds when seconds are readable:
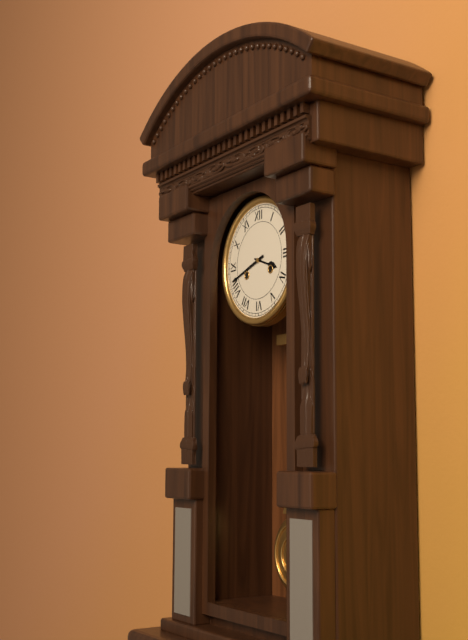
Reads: 3,42
